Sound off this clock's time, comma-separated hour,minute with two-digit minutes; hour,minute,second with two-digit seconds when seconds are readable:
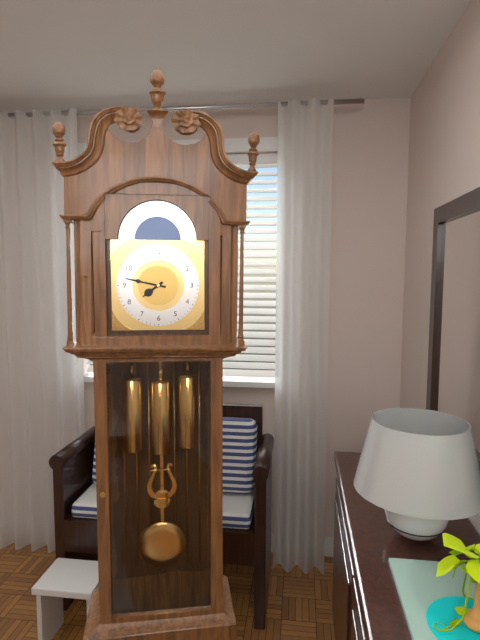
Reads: 7,47
